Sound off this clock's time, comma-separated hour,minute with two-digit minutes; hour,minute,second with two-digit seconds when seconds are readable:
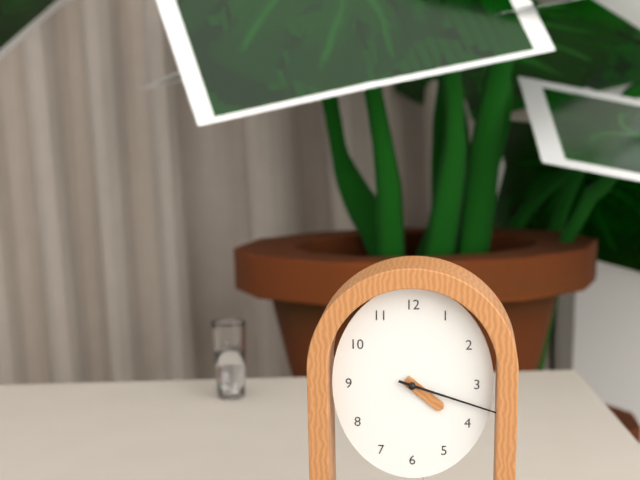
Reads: 4,18
